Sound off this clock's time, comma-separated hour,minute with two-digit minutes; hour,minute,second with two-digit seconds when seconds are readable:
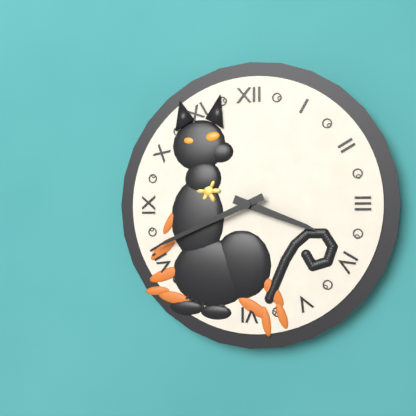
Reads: 3,41
